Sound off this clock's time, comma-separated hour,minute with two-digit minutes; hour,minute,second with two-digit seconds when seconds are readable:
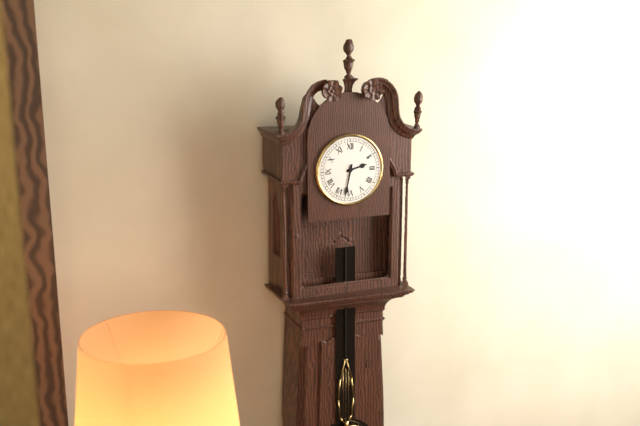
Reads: 2,32
